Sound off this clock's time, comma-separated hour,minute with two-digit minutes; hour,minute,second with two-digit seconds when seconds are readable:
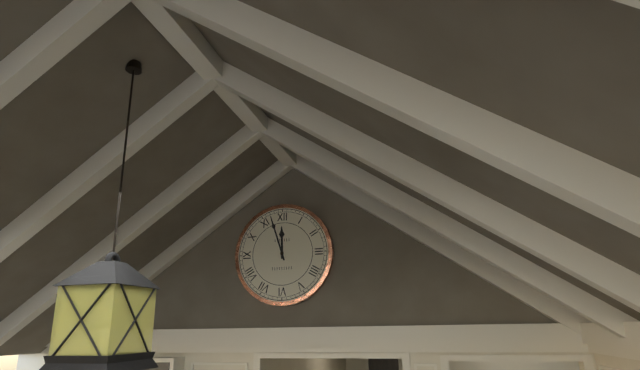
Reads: 11,57
